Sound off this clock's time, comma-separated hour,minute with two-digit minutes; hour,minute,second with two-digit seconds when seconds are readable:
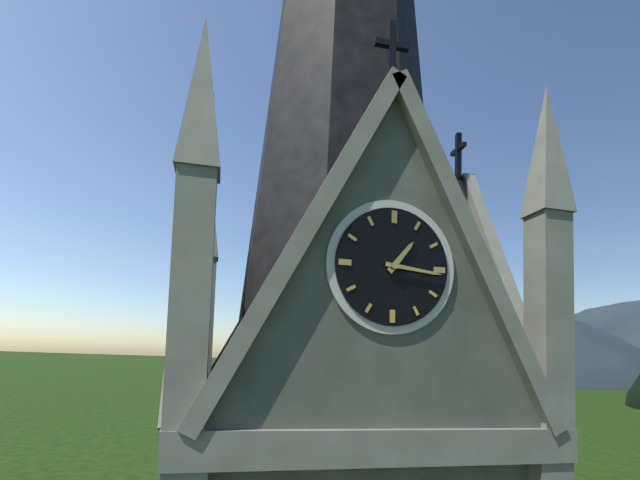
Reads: 1,16
